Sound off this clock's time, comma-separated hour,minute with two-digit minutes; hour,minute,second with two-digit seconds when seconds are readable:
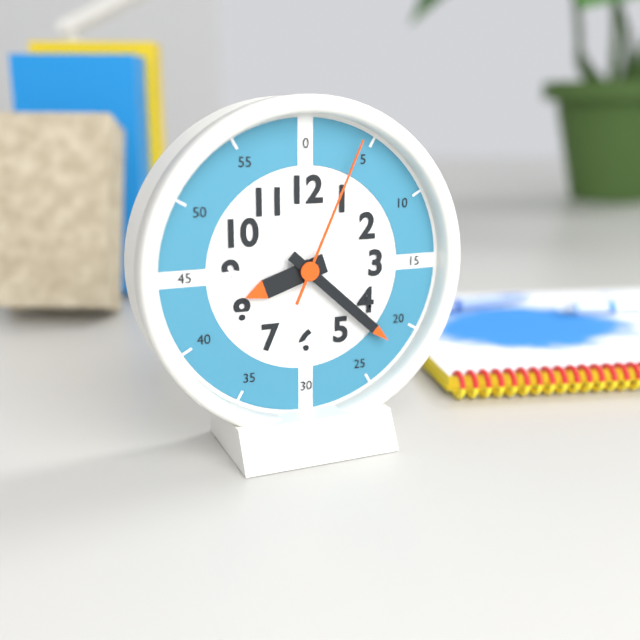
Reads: 8,22,04
